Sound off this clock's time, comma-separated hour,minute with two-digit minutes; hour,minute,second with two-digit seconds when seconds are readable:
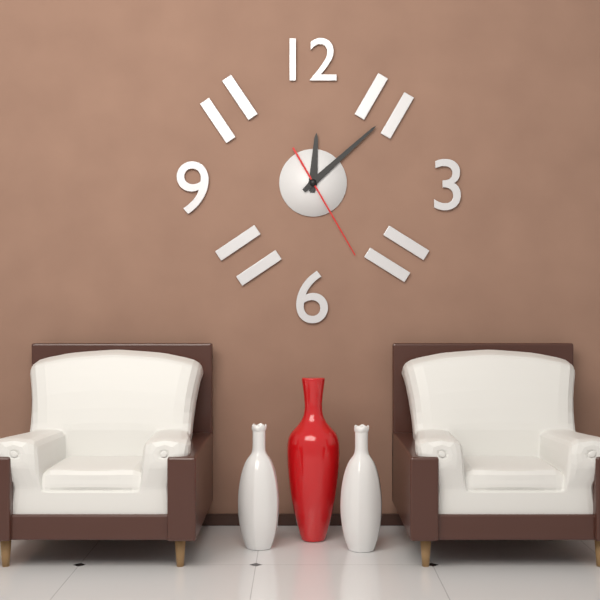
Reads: 12,08,25
